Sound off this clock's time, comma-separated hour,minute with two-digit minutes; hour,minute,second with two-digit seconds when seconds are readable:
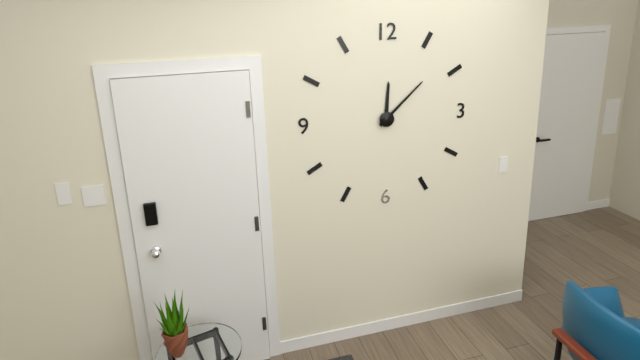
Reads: 12,08
